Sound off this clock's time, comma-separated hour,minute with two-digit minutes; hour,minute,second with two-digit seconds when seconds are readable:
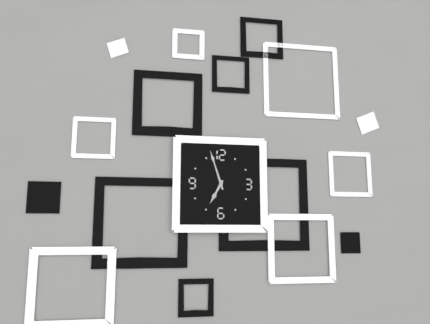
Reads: 6,57
